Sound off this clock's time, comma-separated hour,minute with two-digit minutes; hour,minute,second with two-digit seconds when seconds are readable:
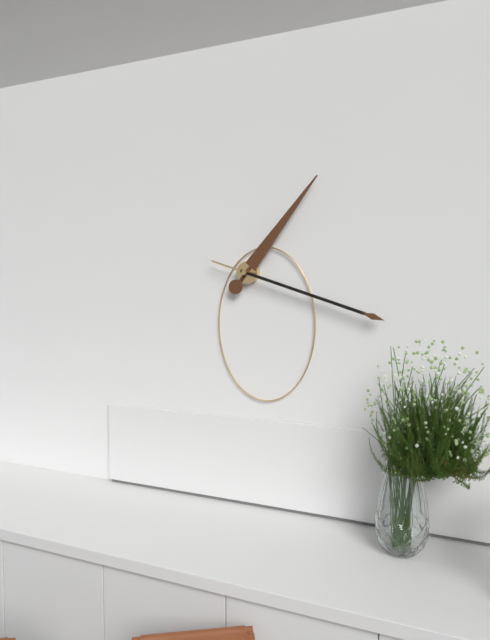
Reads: 1,18
